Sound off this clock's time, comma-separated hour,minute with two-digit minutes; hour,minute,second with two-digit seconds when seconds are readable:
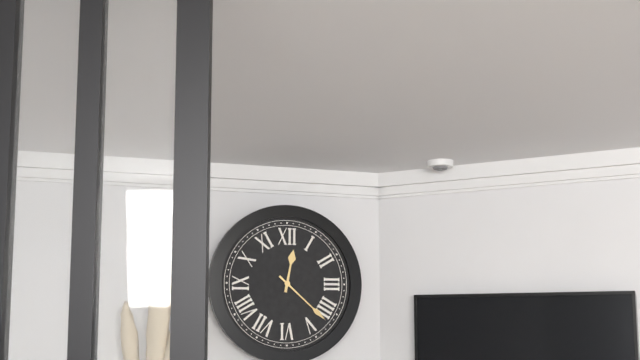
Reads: 12,22
